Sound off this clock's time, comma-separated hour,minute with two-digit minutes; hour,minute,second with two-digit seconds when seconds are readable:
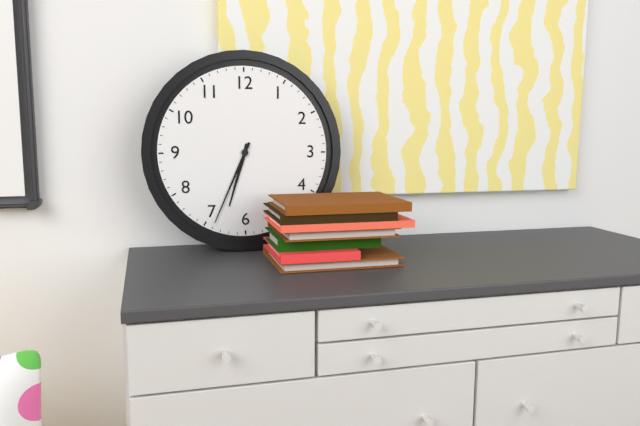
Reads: 6,34
